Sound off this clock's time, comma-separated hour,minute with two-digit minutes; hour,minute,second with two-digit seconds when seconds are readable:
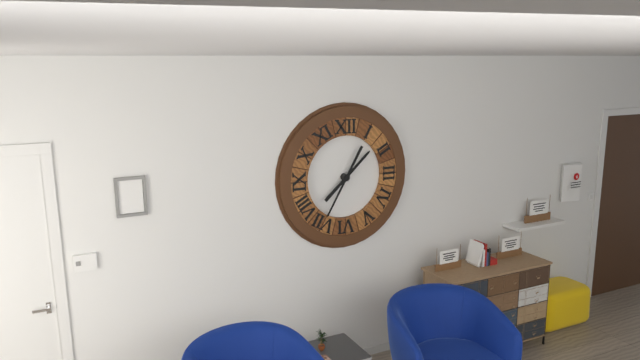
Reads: 1,35
